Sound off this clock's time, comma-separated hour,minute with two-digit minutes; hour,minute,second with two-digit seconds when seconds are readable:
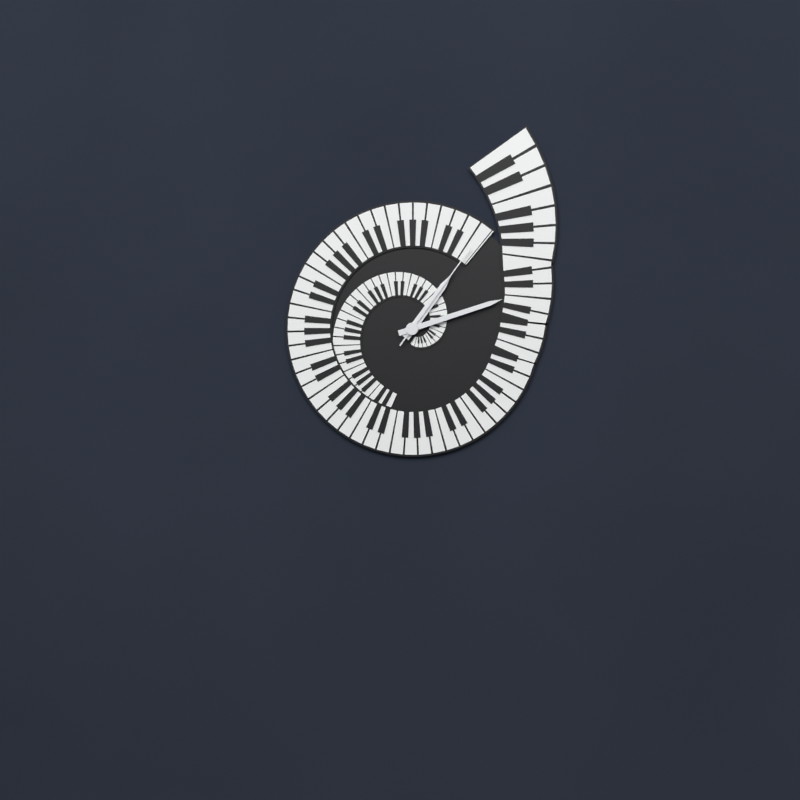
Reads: 1,12,06
